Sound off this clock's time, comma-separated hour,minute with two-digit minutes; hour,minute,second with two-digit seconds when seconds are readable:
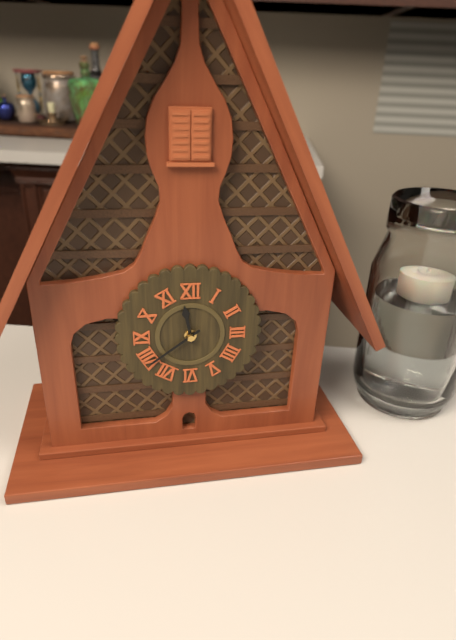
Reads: 11,39
